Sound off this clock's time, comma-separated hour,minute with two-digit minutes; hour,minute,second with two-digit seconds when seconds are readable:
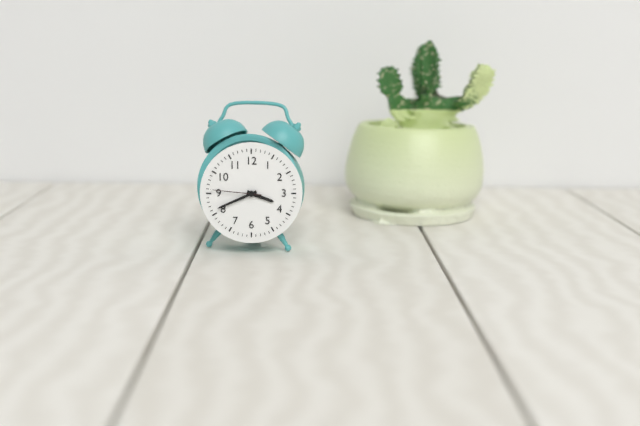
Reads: 3,41,46
